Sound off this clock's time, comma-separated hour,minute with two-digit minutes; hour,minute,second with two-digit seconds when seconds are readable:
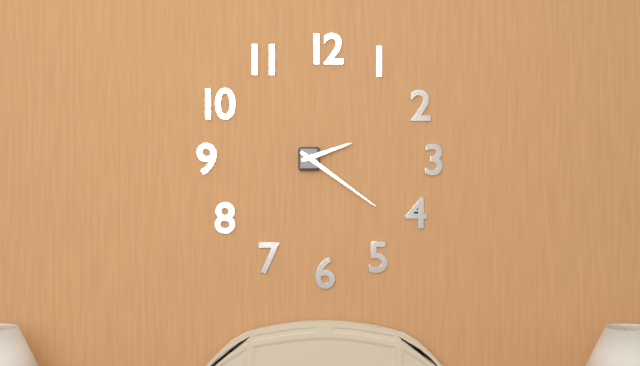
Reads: 2,21
